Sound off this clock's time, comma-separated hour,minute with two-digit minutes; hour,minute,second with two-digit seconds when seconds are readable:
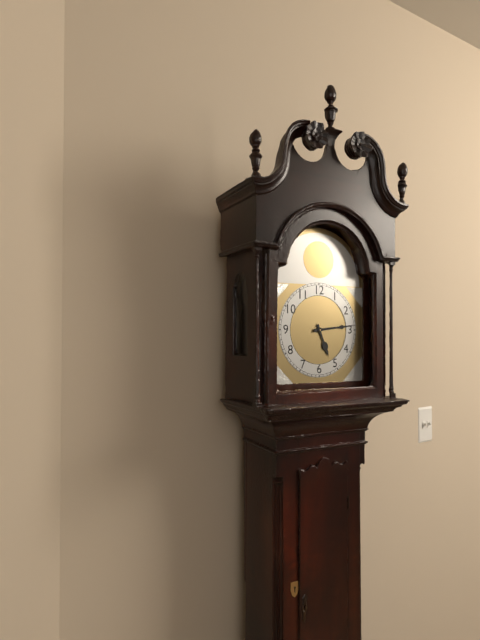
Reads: 5,14
